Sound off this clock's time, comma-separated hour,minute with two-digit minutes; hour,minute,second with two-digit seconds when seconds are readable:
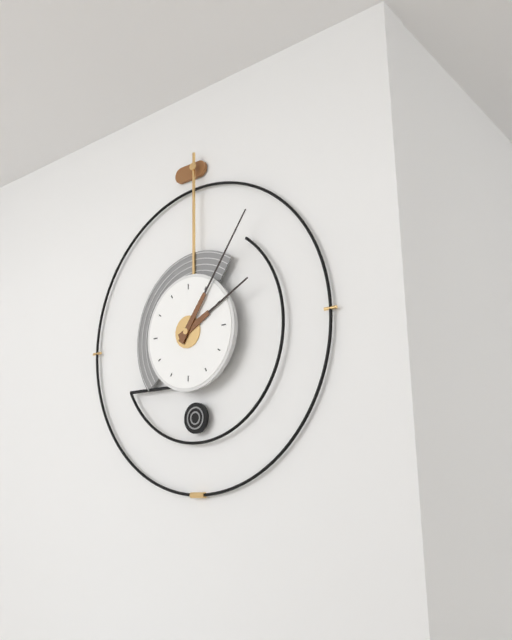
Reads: 2,06
